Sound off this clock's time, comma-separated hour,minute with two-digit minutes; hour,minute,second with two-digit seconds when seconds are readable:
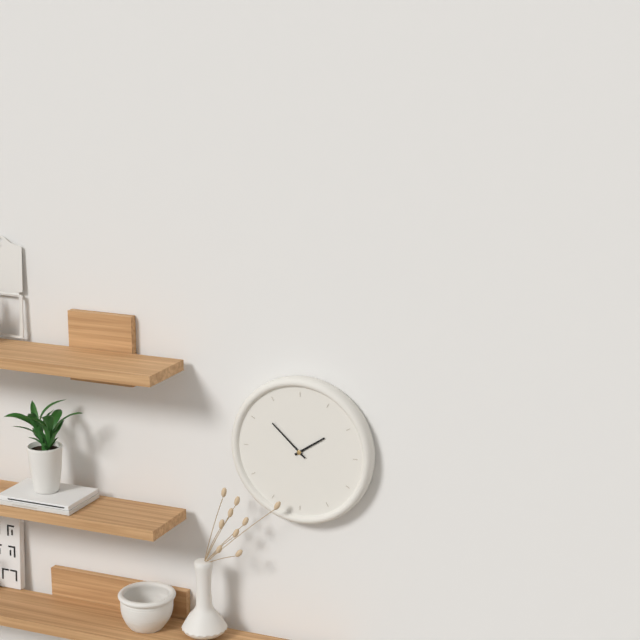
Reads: 1,52
